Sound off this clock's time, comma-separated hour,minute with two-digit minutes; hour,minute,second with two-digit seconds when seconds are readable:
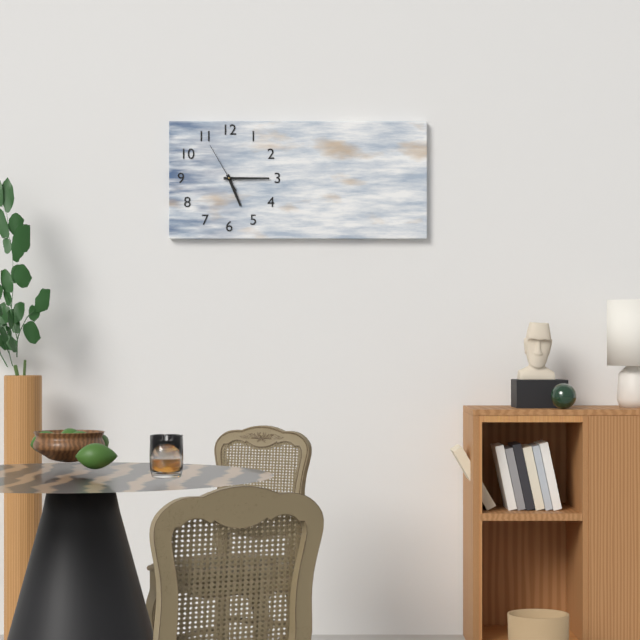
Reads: 5,15
